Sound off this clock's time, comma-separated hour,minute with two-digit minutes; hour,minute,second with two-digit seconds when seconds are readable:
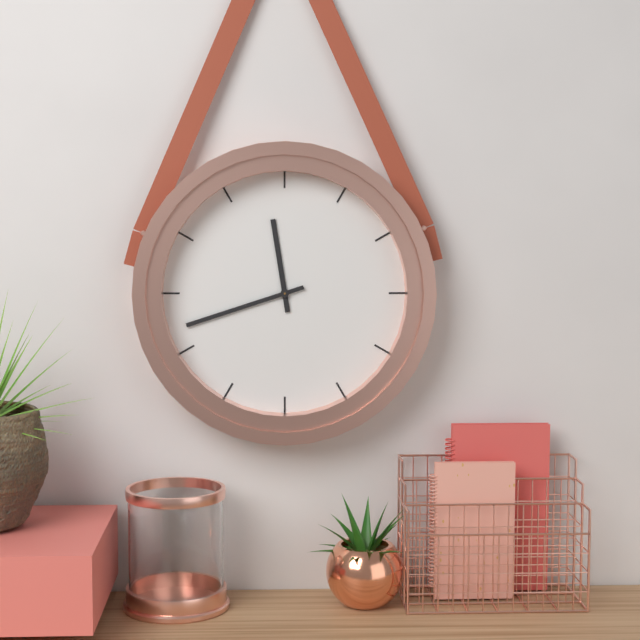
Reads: 11,42
